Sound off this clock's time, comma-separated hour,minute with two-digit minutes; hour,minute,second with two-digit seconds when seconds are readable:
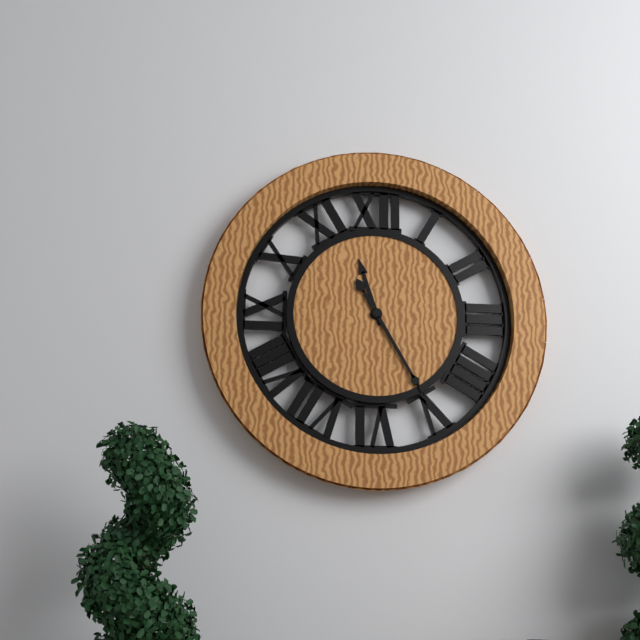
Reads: 11,25
